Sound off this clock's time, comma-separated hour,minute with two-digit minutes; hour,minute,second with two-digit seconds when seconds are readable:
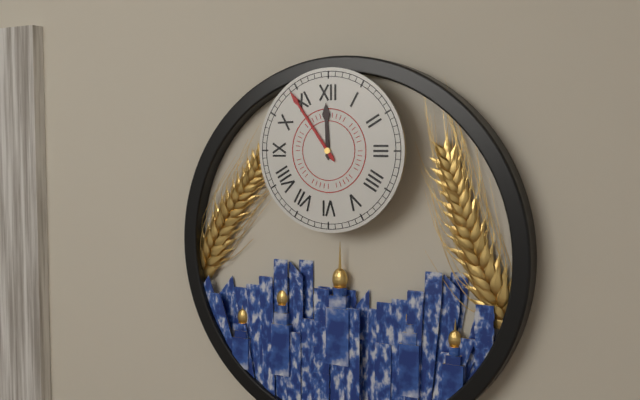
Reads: 11,54
